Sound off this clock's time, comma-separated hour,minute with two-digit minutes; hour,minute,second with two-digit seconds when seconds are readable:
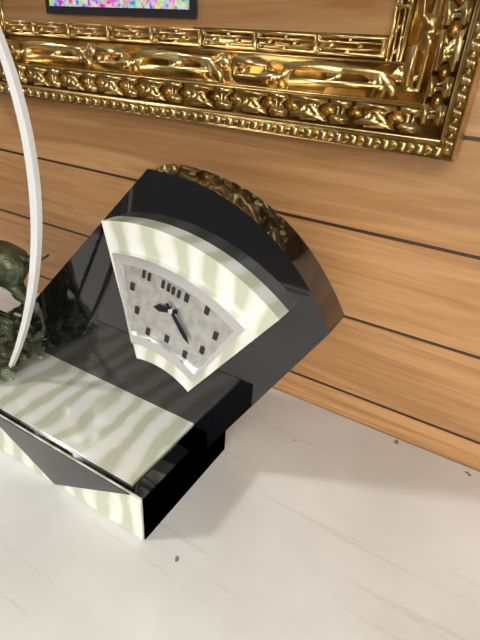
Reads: 8,22
